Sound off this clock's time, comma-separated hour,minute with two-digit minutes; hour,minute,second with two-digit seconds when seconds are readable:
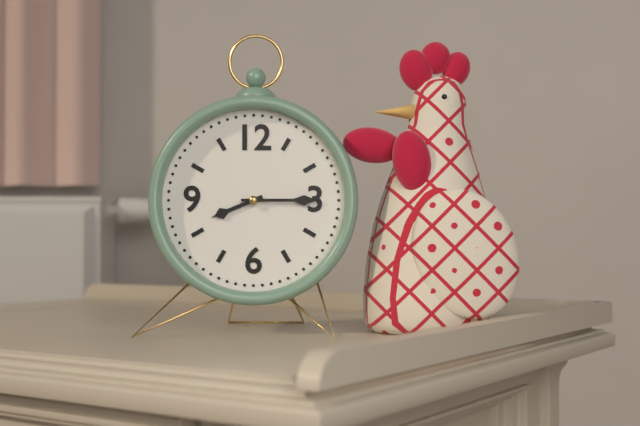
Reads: 8,15
